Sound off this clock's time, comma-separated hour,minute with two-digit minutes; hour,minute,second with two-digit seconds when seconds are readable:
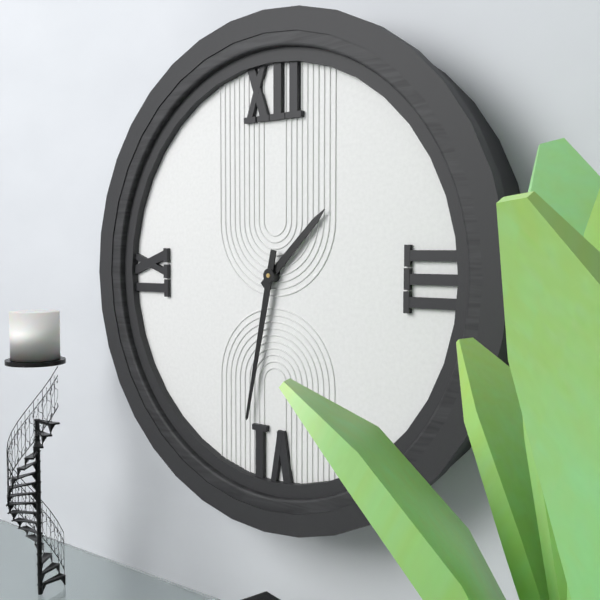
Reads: 1,32
